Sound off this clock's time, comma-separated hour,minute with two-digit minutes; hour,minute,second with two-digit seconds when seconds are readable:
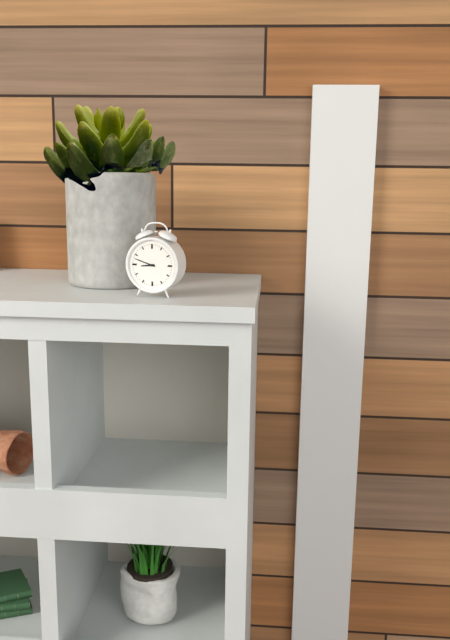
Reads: 8,48
